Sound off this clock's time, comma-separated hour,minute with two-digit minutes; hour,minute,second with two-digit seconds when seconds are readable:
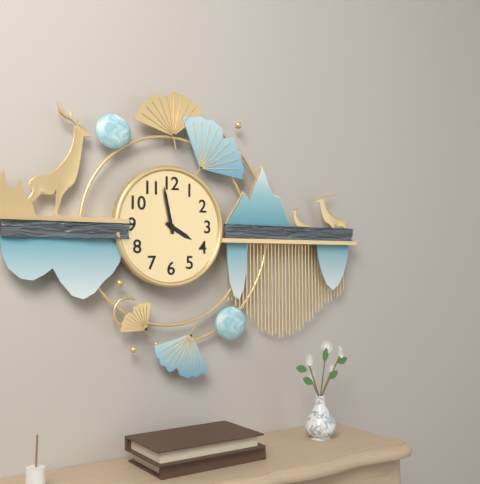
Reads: 3,58
